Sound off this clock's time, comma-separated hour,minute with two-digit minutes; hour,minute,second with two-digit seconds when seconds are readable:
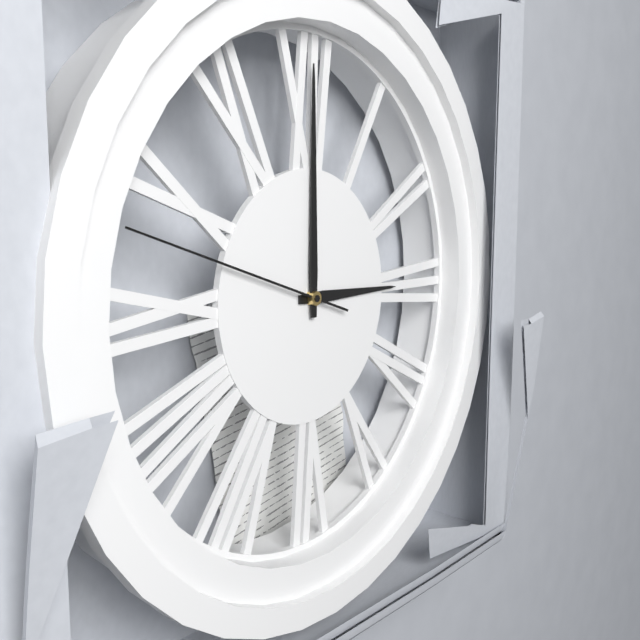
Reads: 3,00,48
